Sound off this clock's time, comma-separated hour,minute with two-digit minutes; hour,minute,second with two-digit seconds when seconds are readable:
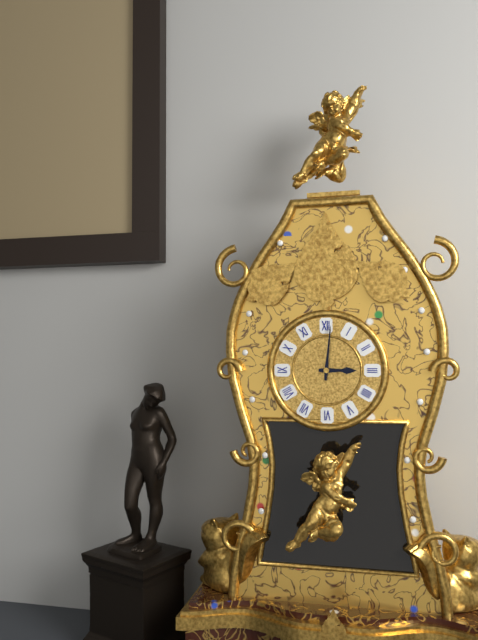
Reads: 3,01
